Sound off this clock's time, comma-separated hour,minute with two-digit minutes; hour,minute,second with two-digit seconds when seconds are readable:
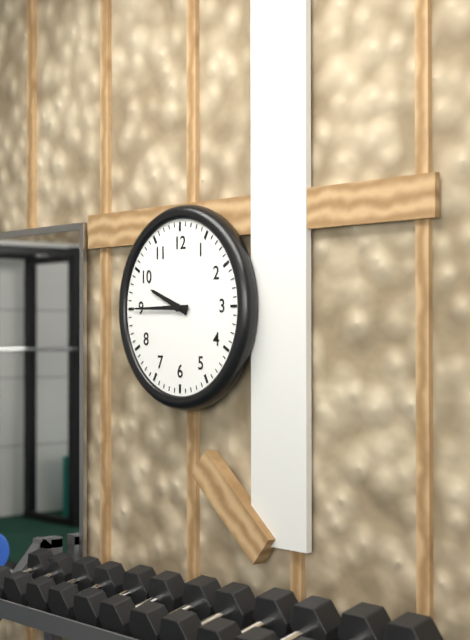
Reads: 9,45
